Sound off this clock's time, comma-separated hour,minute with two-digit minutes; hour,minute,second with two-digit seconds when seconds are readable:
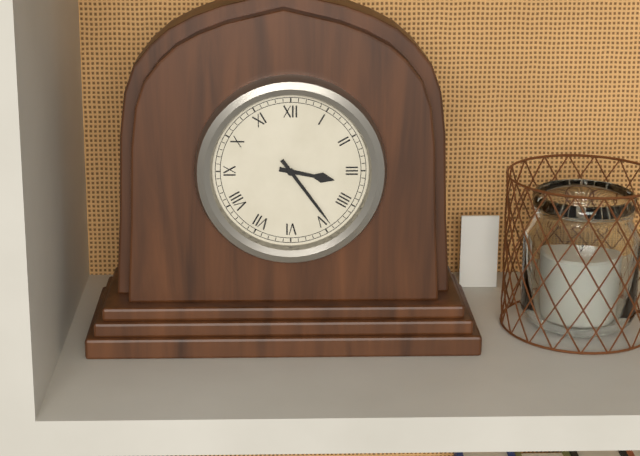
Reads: 3,24
